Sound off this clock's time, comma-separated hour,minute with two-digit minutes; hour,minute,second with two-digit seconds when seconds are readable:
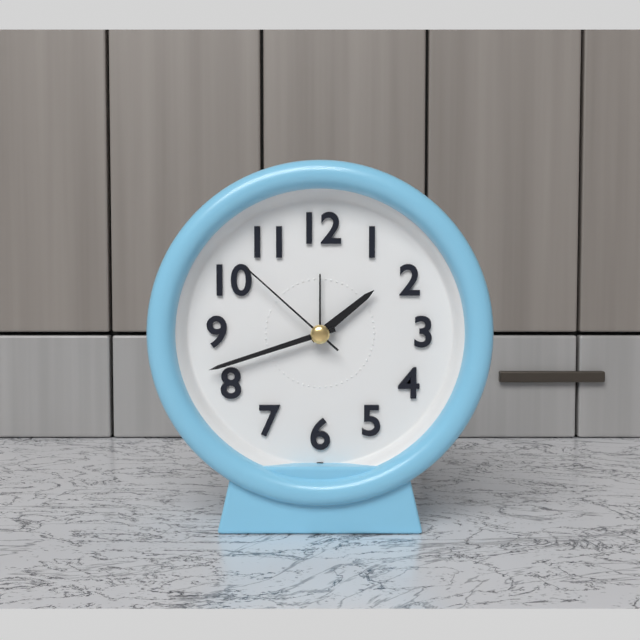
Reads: 1,42,52
